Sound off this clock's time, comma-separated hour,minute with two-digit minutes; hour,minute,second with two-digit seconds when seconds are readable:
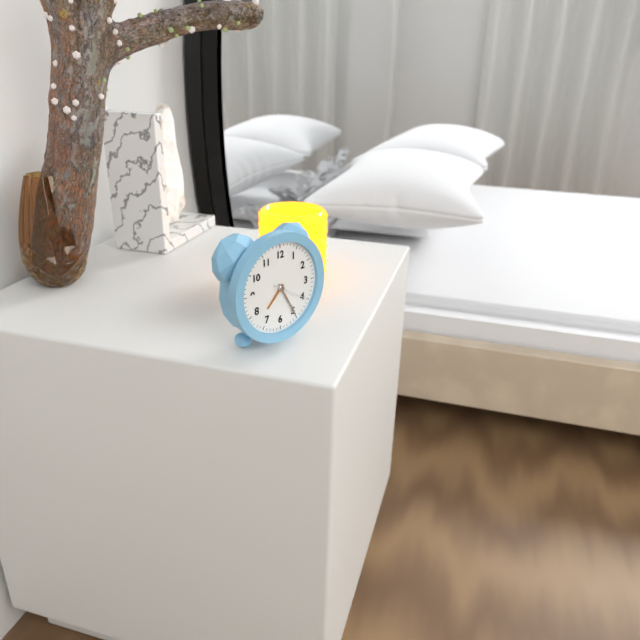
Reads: 7,25
